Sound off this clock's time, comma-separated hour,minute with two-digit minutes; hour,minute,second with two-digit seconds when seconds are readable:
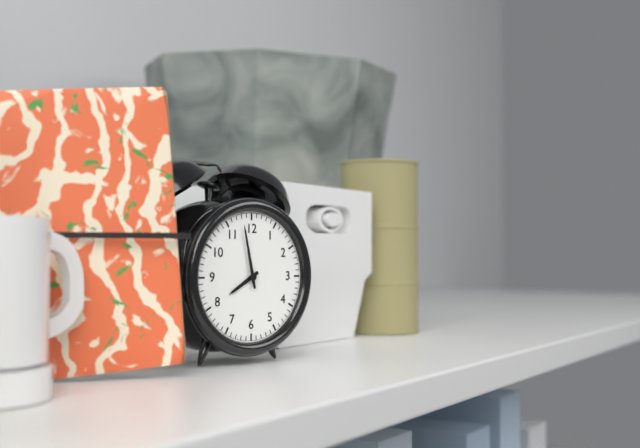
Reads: 7,58
